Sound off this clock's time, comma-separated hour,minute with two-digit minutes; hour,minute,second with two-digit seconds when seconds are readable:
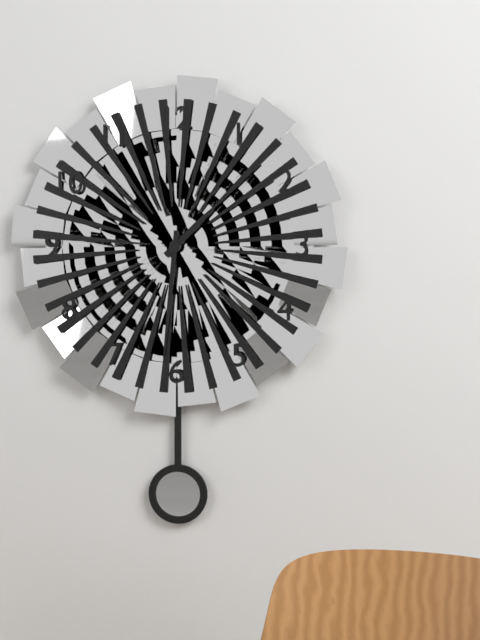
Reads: 1,31
